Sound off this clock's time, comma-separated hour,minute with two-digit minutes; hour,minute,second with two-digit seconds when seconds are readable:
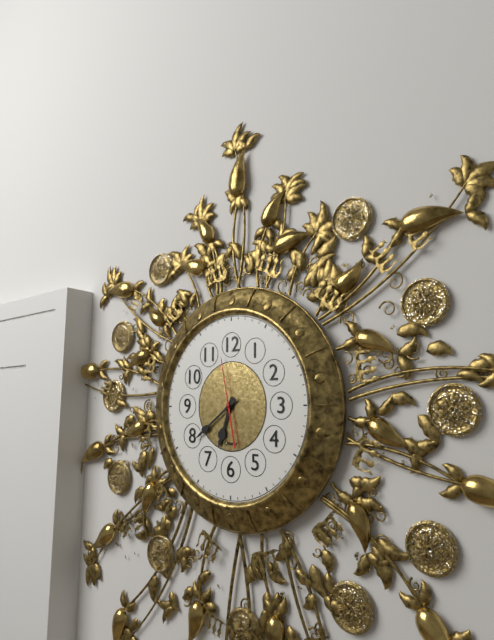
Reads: 6,39,58
